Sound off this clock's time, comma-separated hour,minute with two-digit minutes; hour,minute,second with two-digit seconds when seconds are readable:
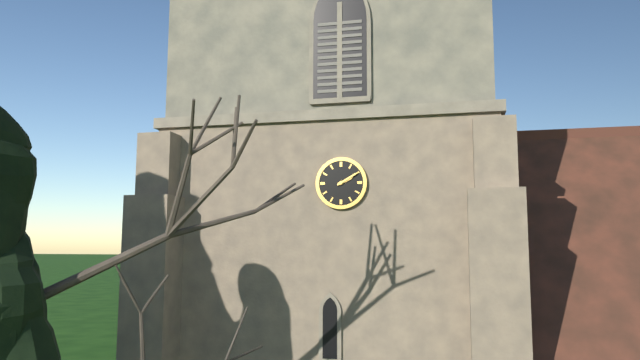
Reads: 2,10
